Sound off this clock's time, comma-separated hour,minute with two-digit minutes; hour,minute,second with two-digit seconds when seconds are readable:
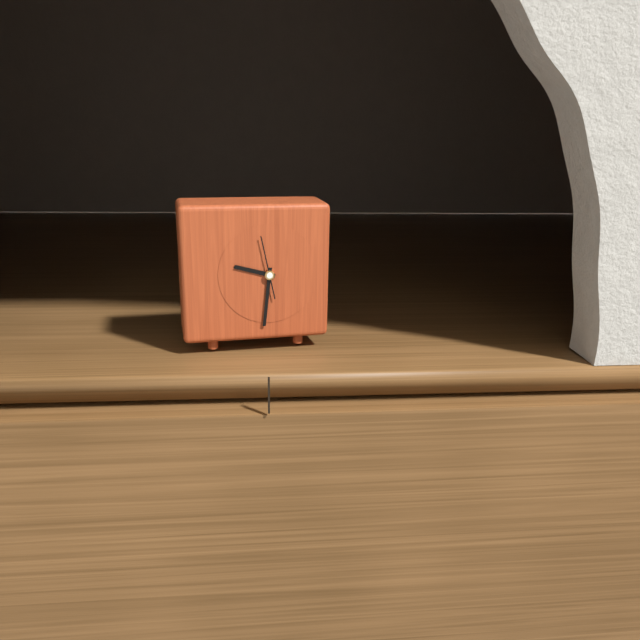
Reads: 9,31,58
